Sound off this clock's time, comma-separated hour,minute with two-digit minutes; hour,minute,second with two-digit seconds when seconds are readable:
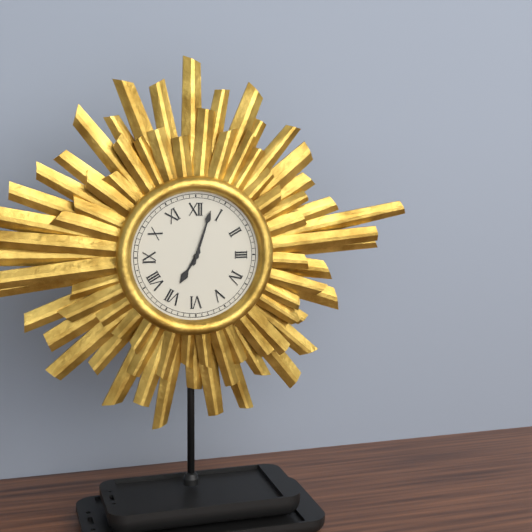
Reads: 7,03
